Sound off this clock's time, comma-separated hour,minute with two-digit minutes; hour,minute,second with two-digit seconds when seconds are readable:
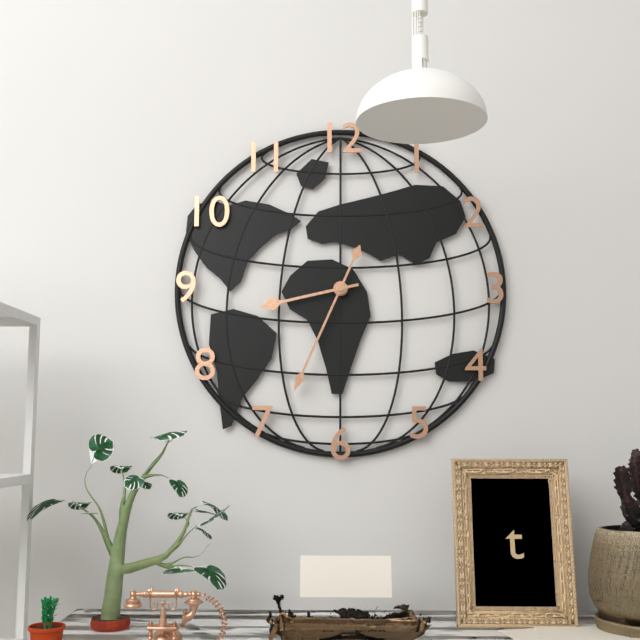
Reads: 8,34
